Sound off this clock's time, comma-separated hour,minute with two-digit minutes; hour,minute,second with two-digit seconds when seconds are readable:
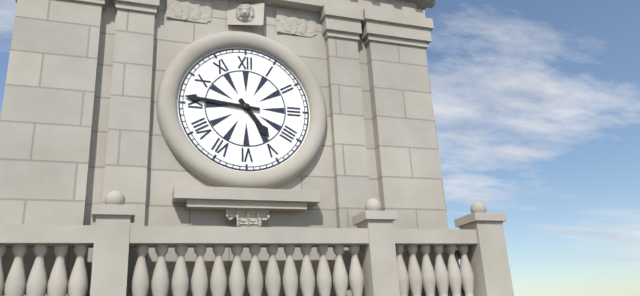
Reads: 4,46
